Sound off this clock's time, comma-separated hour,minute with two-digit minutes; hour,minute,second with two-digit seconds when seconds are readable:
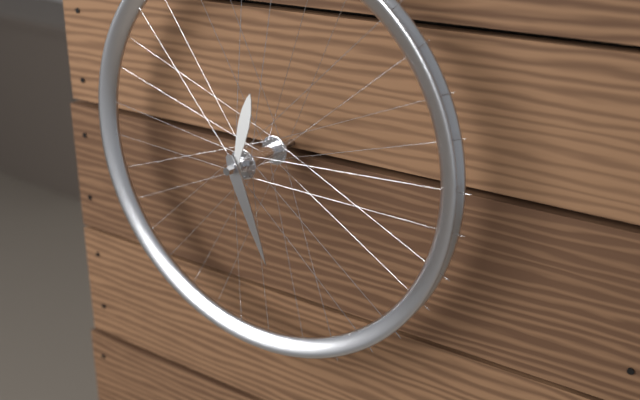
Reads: 12,26
